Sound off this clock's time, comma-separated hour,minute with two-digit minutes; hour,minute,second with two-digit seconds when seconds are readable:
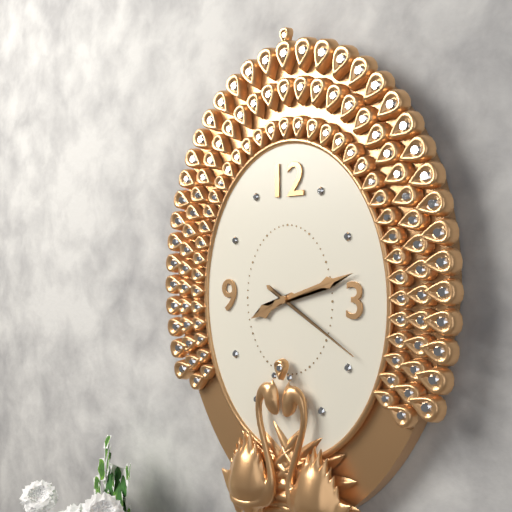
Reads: 8,12,20
